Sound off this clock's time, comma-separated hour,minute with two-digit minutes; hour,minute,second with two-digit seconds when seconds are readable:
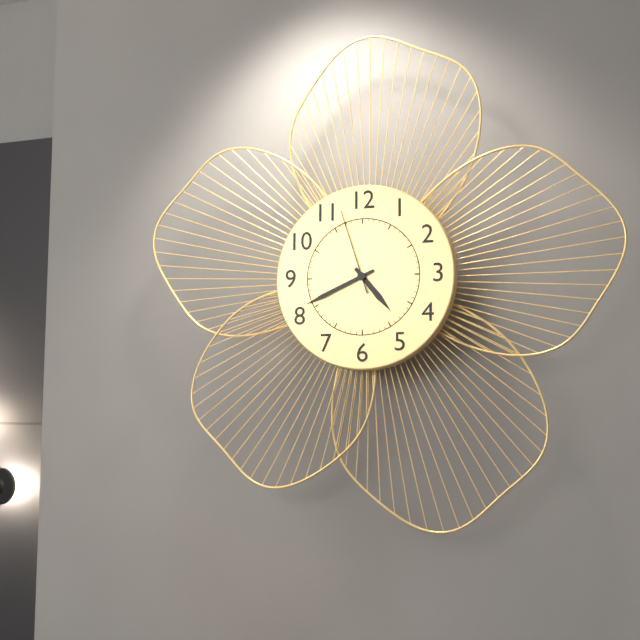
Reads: 4,41,57
